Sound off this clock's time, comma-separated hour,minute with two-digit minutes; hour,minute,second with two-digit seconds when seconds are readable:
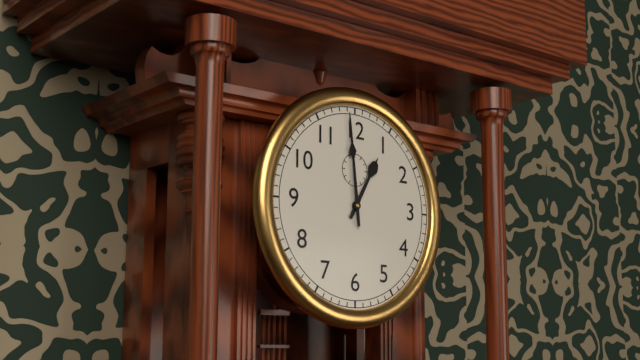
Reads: 12,59
